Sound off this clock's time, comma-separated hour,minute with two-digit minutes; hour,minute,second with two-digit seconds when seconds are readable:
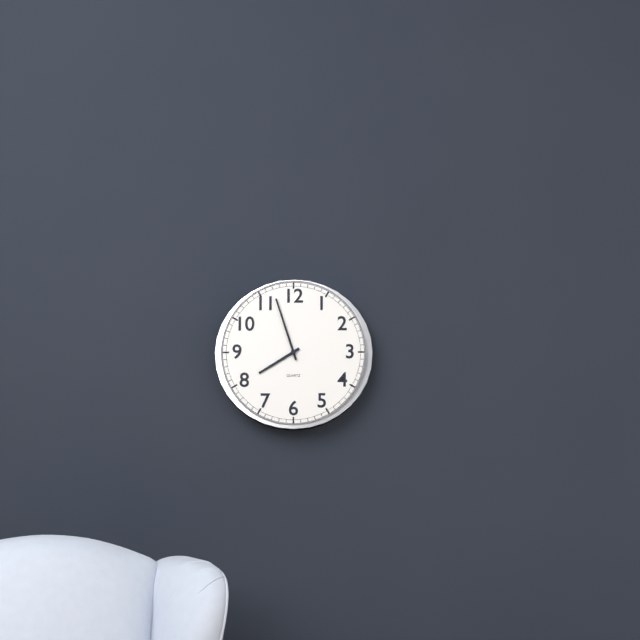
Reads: 7,57
